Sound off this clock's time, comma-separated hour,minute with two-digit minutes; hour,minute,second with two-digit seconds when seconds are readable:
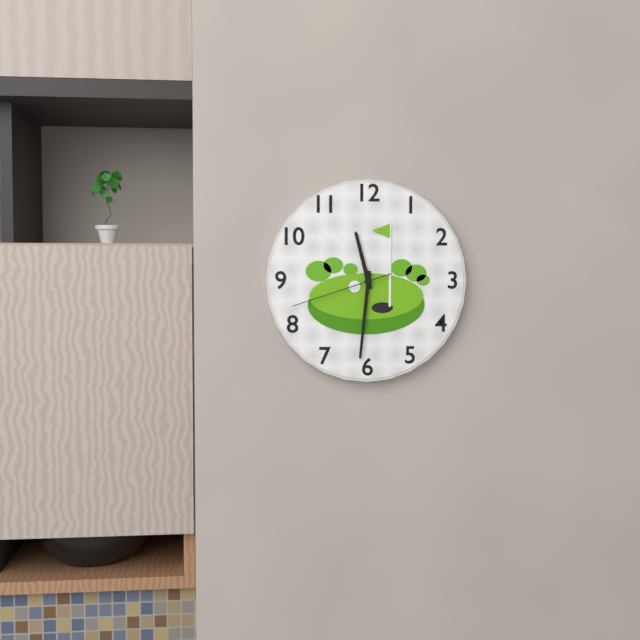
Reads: 11,31,42
